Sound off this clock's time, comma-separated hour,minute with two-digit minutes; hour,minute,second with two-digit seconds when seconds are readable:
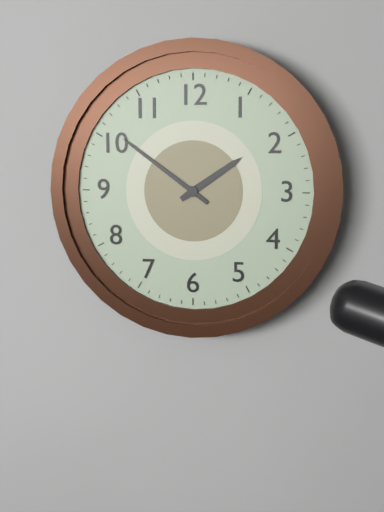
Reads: 1,51
